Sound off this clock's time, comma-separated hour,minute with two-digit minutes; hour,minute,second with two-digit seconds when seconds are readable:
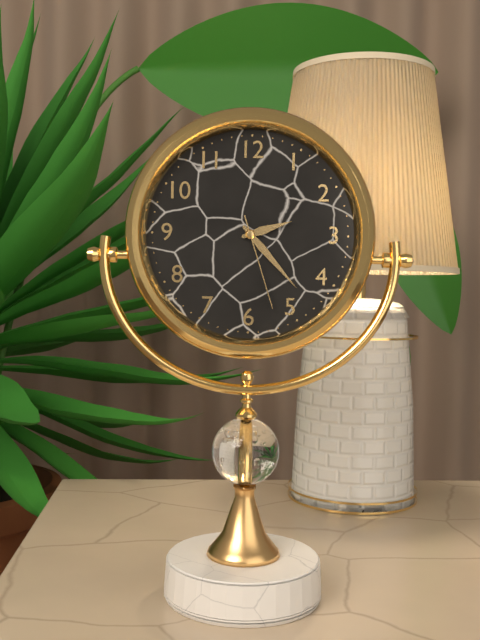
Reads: 2,23,27
